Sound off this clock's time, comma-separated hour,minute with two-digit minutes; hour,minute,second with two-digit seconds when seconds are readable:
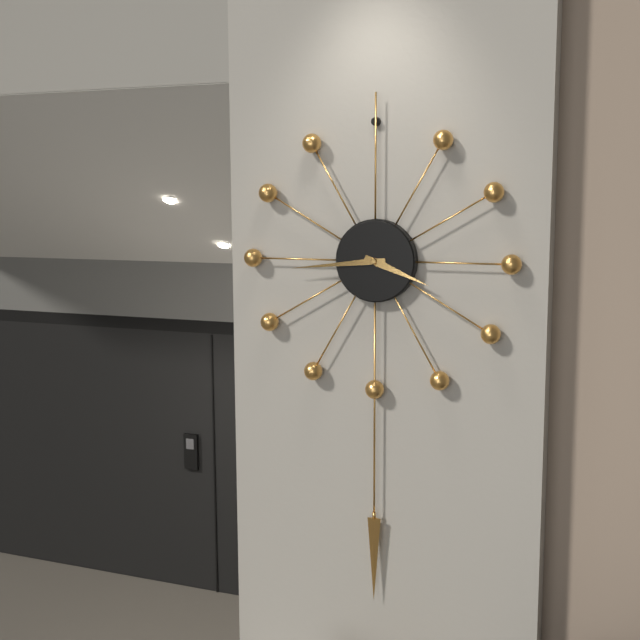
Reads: 3,44
